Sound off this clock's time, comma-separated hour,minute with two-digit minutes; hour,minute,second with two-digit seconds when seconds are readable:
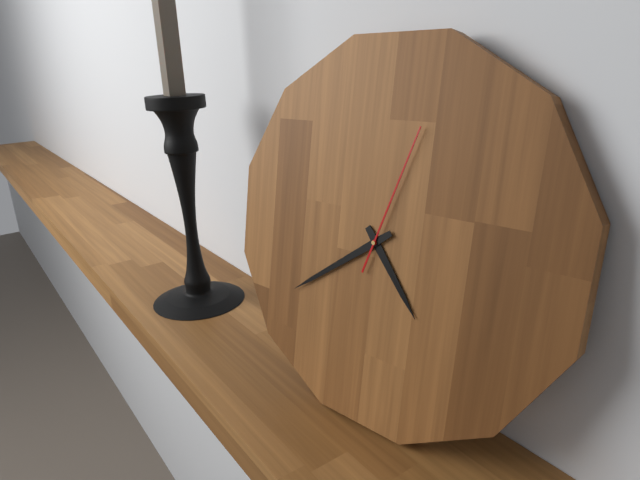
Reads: 4,39,03
